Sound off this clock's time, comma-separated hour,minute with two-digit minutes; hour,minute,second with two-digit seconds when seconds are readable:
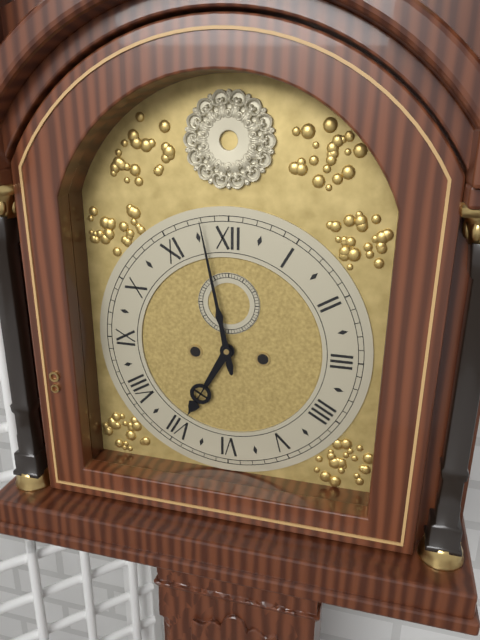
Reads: 6,58
